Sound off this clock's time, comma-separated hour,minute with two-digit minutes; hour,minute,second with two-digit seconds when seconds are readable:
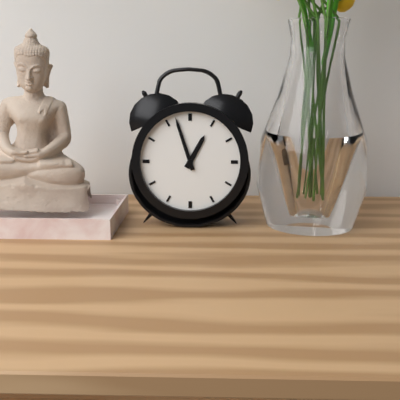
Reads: 12,57
